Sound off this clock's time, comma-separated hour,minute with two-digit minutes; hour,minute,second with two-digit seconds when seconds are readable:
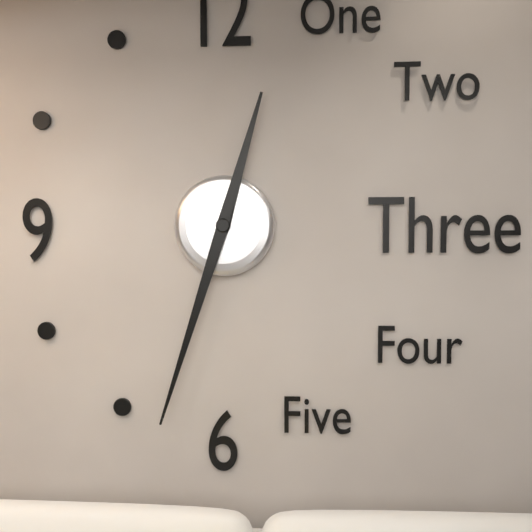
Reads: 12,33
